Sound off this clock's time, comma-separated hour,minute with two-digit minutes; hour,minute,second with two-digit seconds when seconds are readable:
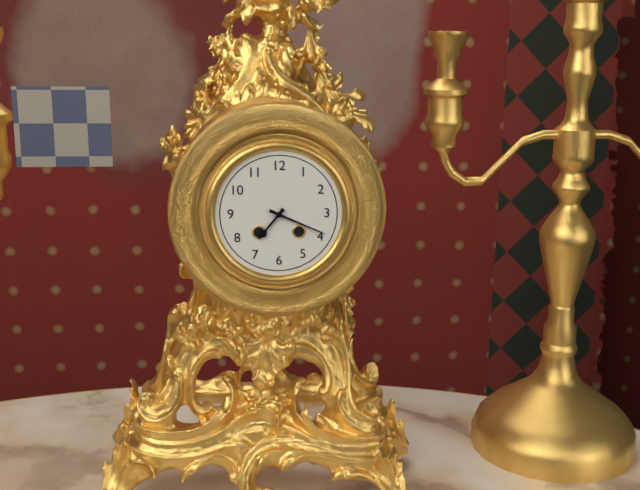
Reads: 7,19
